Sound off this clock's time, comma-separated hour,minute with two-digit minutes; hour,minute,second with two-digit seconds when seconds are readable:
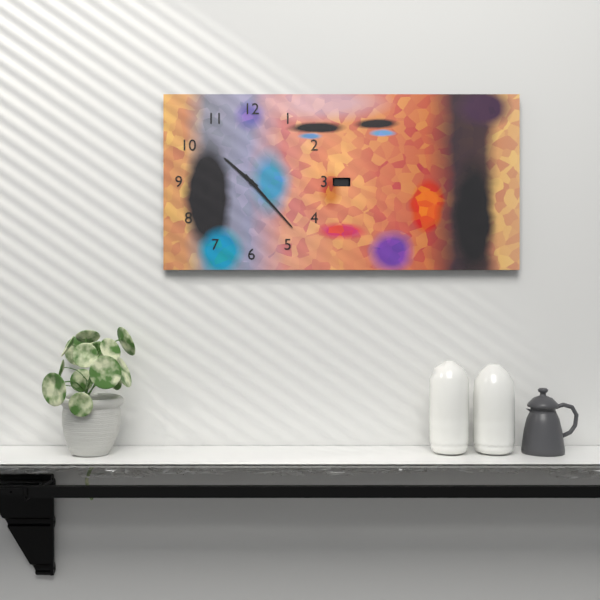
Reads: 10,23
